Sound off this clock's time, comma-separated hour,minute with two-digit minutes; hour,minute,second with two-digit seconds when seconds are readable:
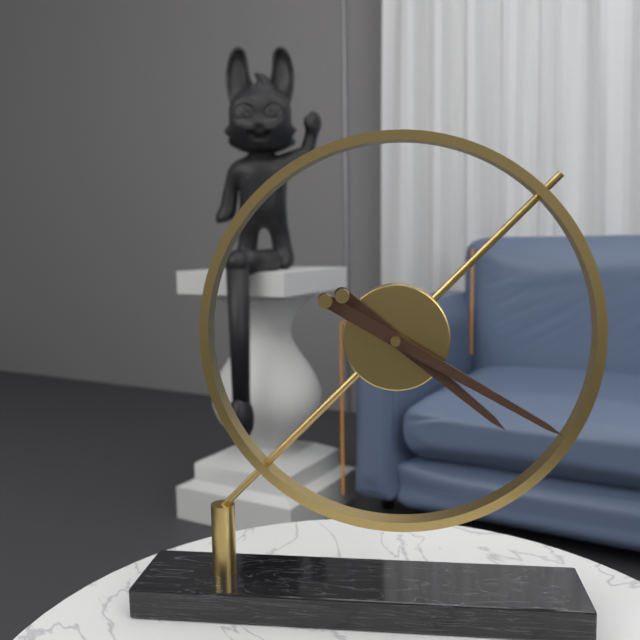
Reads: 4,20
